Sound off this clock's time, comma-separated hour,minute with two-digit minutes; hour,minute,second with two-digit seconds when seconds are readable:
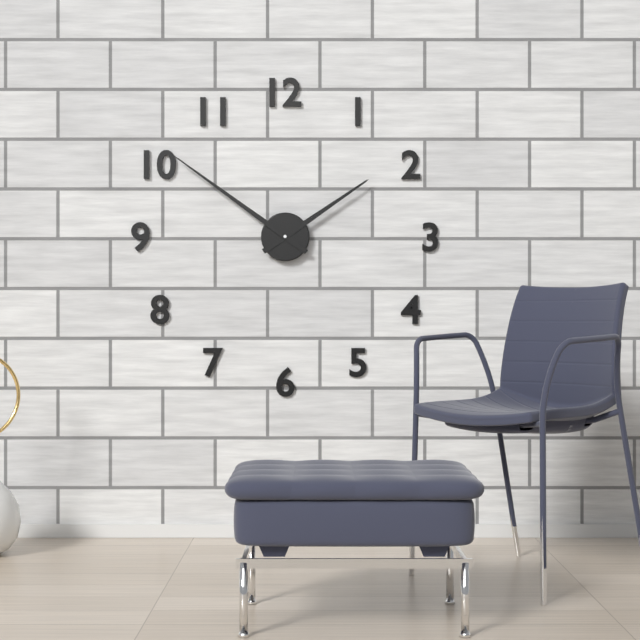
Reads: 1,51
